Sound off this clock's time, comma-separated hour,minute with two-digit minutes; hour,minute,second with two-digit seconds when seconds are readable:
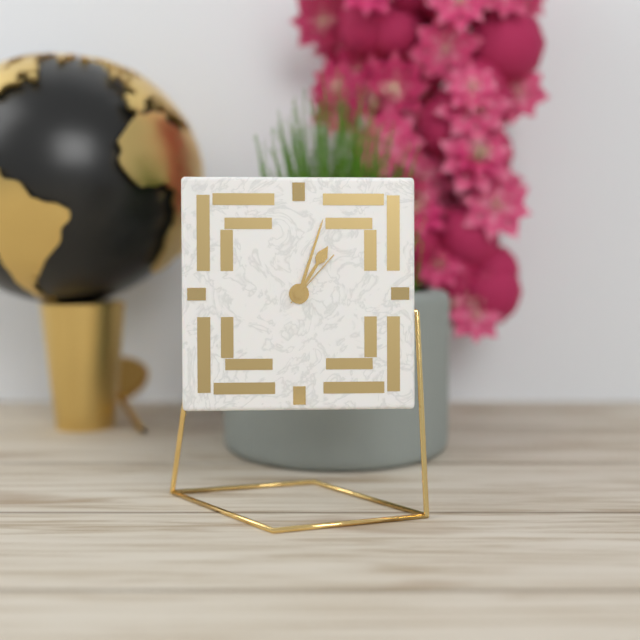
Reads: 1,03,07
